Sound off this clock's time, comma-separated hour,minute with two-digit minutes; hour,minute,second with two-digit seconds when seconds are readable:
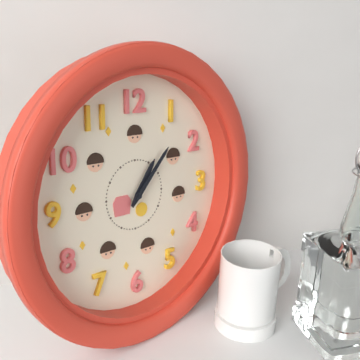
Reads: 1,07
